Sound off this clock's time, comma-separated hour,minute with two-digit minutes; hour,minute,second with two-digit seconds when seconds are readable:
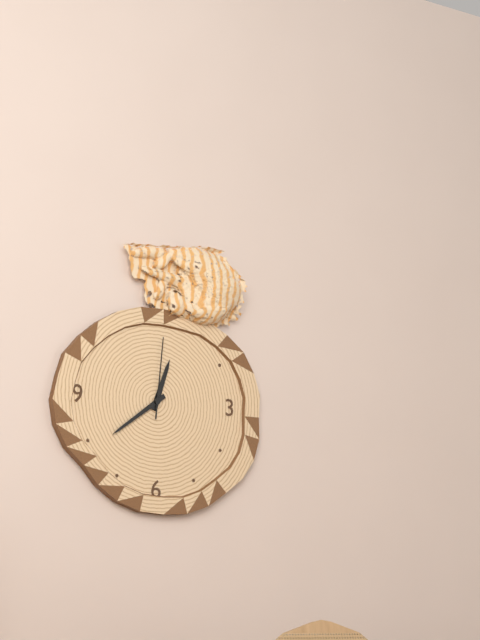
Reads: 12,39,01
